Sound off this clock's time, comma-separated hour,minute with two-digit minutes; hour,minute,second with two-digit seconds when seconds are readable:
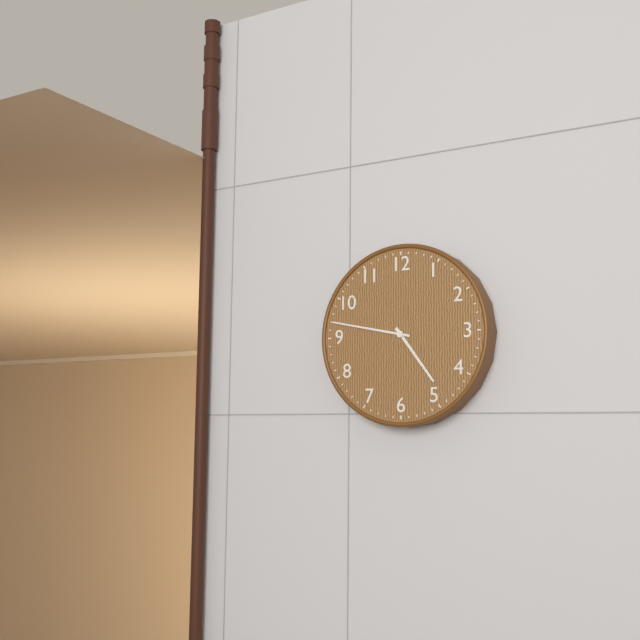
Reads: 4,47
